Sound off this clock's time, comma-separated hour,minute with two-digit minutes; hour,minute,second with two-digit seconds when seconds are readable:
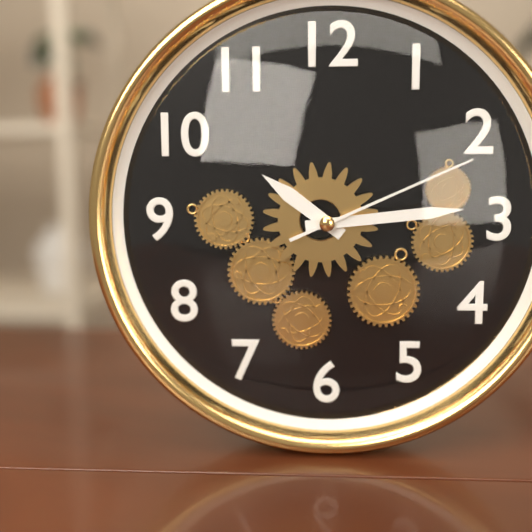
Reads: 10,14,11
